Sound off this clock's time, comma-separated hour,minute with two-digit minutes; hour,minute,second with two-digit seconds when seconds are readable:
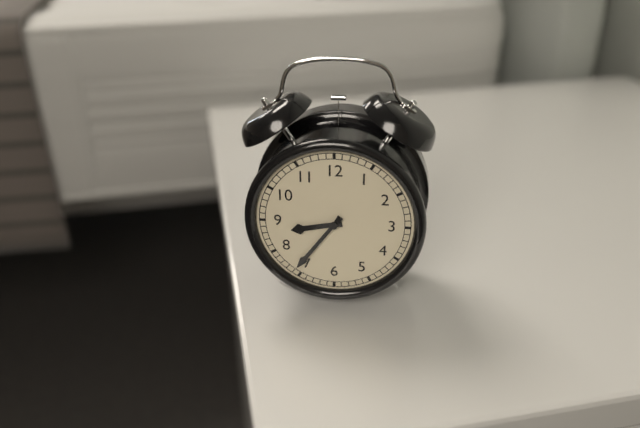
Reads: 8,36
